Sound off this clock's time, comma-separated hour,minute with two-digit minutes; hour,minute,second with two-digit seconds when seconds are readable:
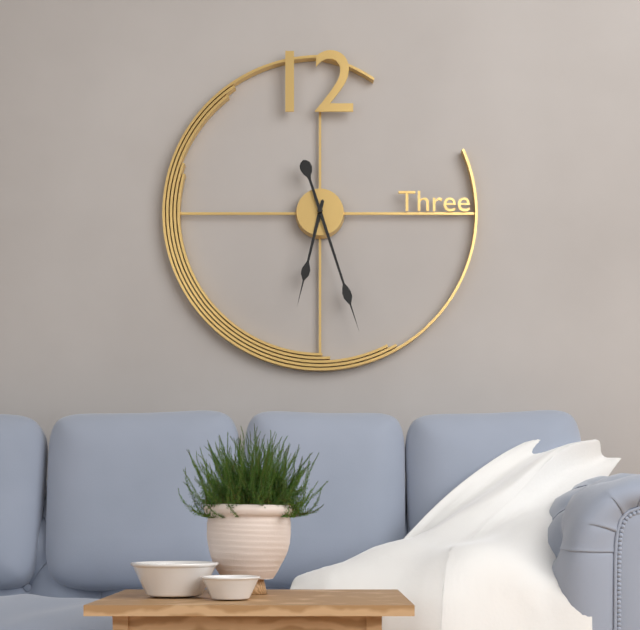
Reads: 6,27
